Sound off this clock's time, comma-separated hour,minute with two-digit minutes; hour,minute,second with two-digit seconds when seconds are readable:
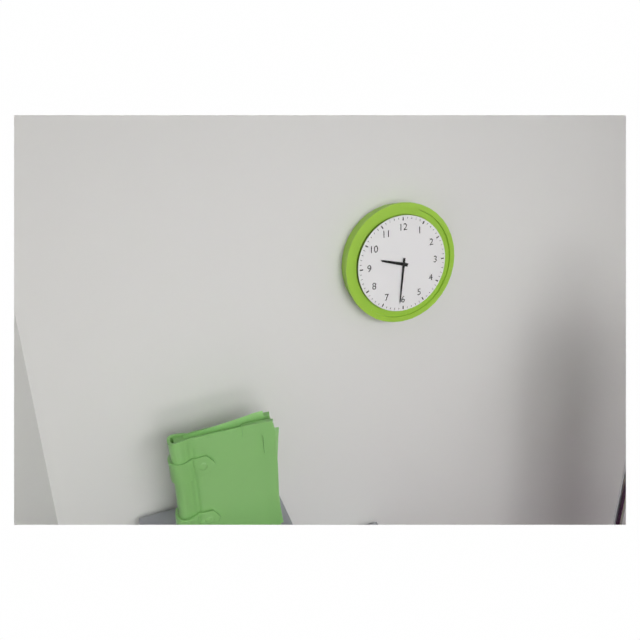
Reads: 9,31
